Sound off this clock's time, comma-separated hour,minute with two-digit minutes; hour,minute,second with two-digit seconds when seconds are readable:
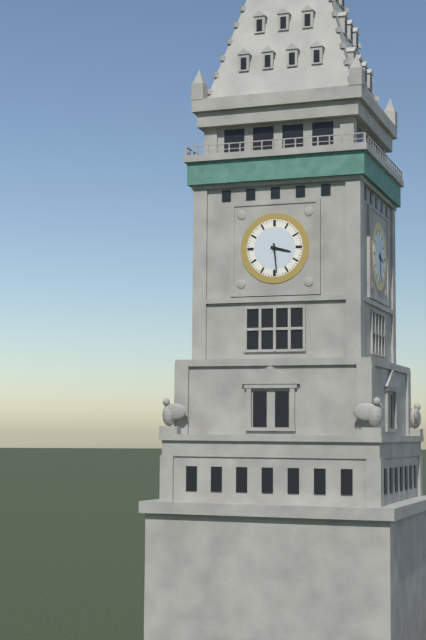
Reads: 3,29
